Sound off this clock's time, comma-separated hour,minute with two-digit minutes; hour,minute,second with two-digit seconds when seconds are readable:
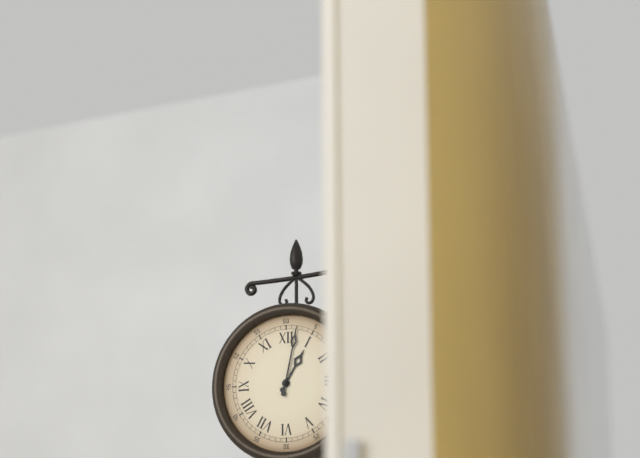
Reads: 1,02
